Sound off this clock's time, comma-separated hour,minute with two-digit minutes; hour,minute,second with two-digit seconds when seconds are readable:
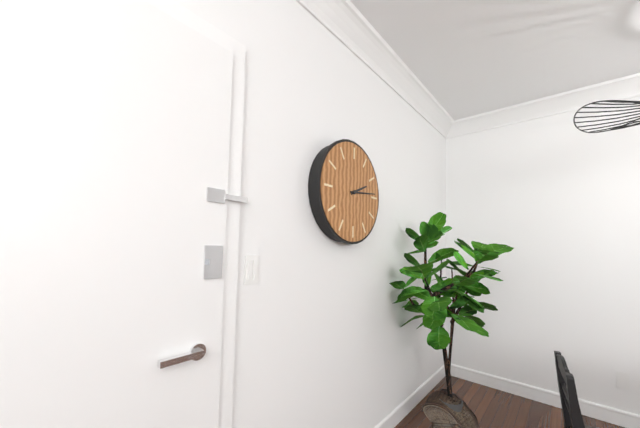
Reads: 2,14
